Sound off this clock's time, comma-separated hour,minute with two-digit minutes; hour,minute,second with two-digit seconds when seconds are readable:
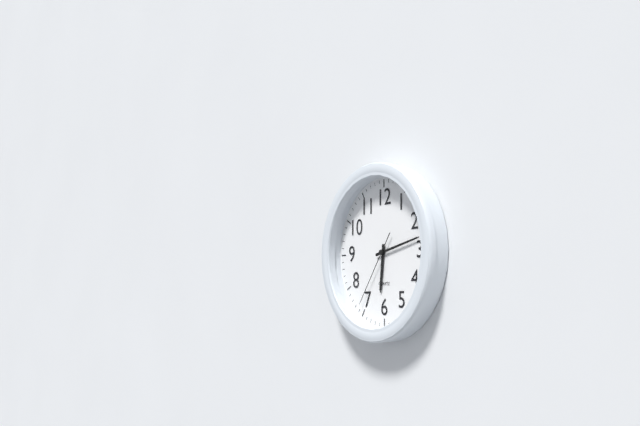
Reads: 6,13,36
